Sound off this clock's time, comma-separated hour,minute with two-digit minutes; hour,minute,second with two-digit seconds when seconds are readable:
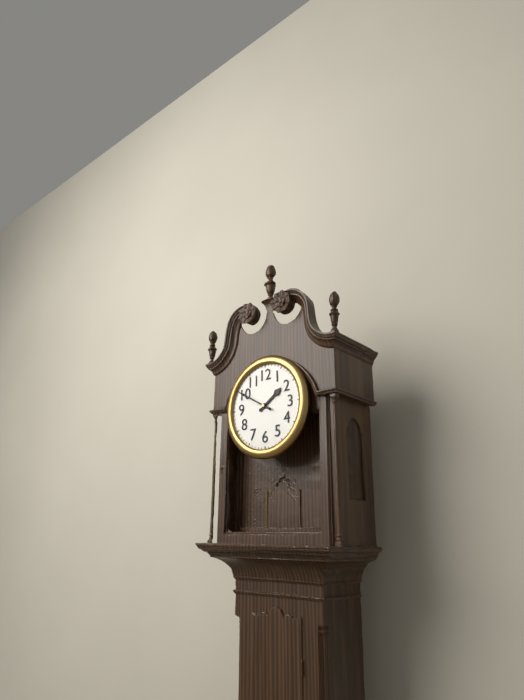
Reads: 1,50
